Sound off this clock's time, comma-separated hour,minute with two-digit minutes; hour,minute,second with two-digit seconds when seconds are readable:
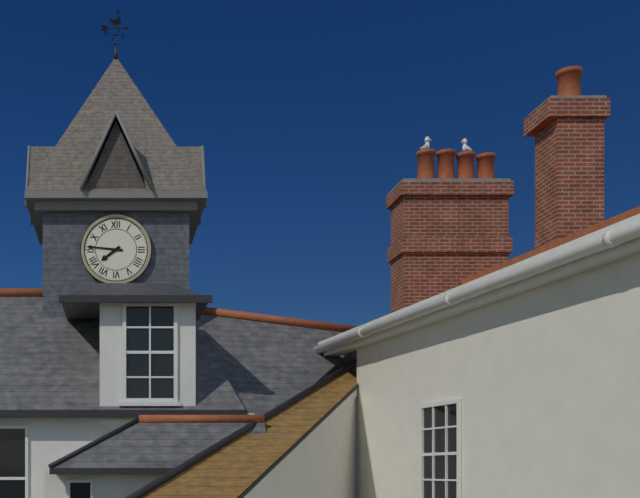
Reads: 7,46
